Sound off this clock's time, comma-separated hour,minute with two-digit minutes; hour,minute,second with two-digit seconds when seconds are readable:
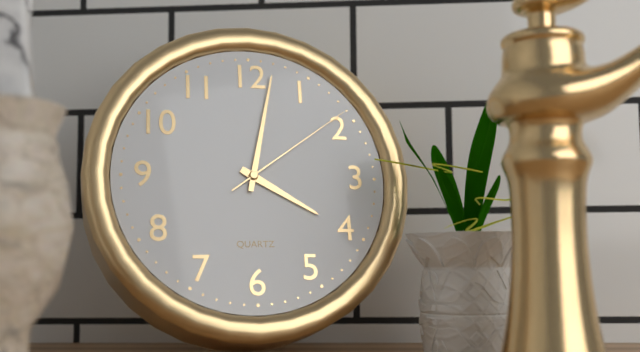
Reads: 4,02,09
